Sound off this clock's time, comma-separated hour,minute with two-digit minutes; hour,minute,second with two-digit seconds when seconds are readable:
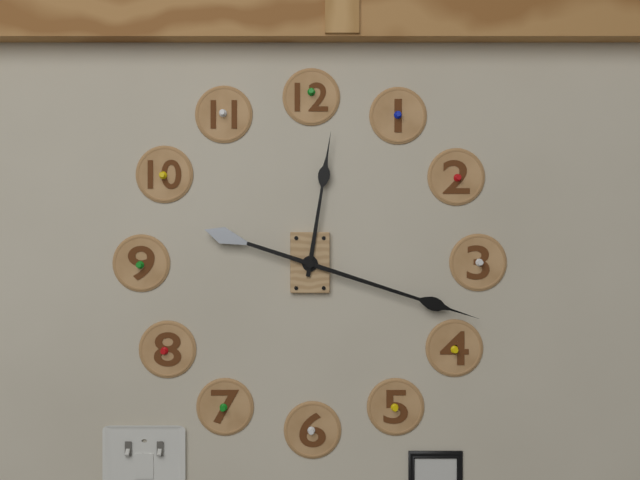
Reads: 12,18
